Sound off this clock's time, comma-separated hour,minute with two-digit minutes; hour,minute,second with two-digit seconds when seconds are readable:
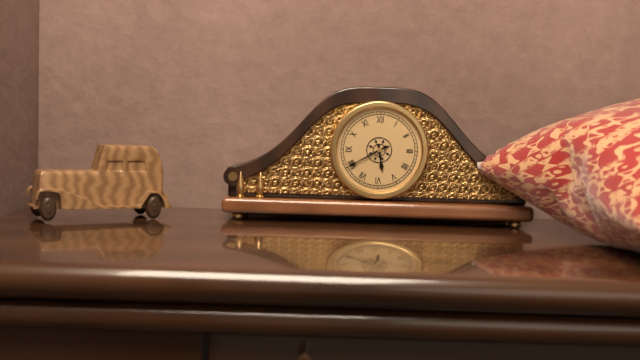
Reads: 5,40
